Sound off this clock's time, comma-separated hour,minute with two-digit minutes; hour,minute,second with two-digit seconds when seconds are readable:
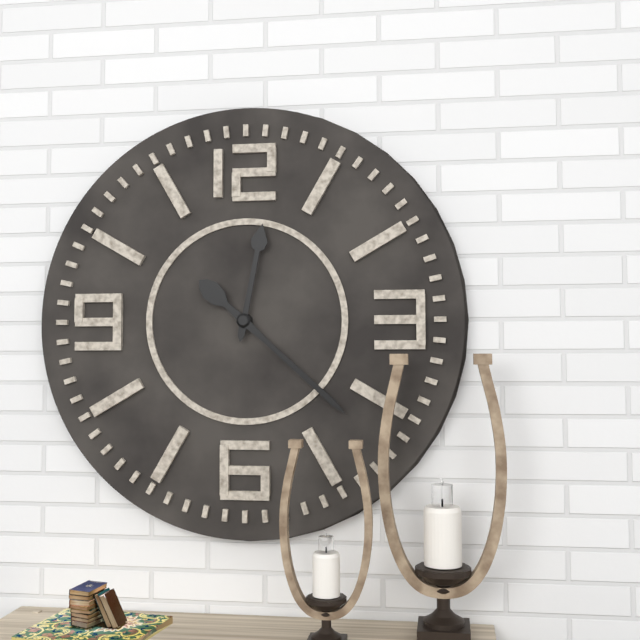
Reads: 12,22
